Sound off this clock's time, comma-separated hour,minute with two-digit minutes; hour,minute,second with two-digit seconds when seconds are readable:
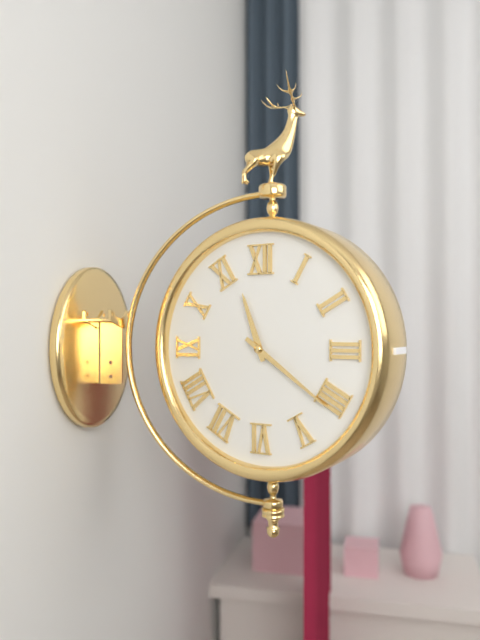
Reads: 11,21
